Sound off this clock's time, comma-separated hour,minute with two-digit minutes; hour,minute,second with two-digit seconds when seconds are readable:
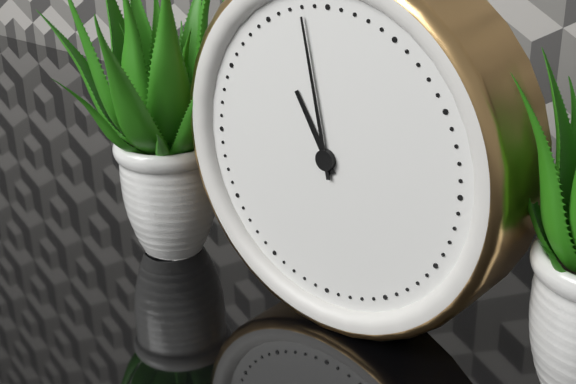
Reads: 10,58
